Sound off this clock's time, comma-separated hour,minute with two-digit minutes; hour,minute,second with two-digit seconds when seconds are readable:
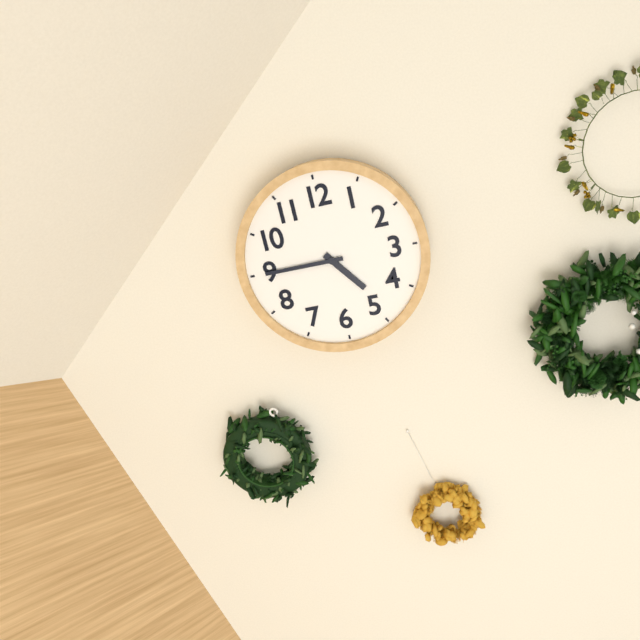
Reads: 4,45
